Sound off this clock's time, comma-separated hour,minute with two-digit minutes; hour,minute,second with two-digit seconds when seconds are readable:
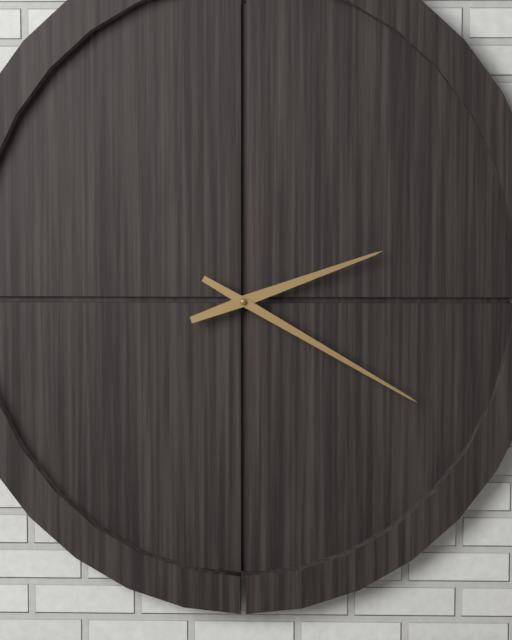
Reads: 2,20
